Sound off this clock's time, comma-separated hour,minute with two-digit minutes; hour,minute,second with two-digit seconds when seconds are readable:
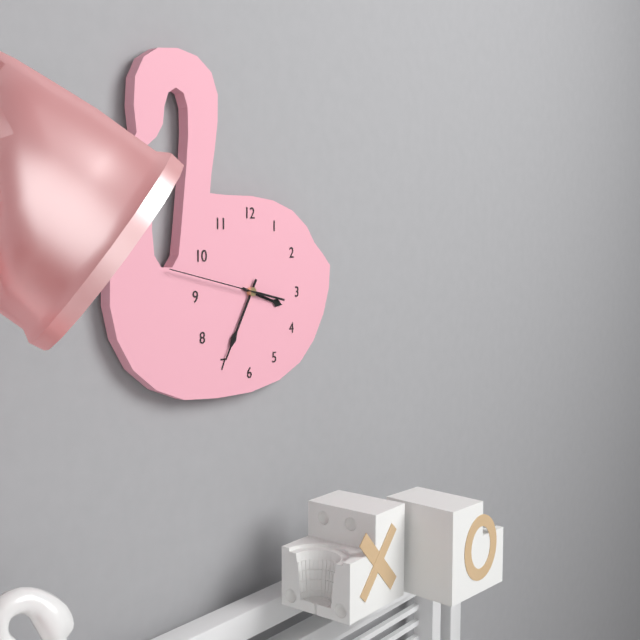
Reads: 3,35,47
